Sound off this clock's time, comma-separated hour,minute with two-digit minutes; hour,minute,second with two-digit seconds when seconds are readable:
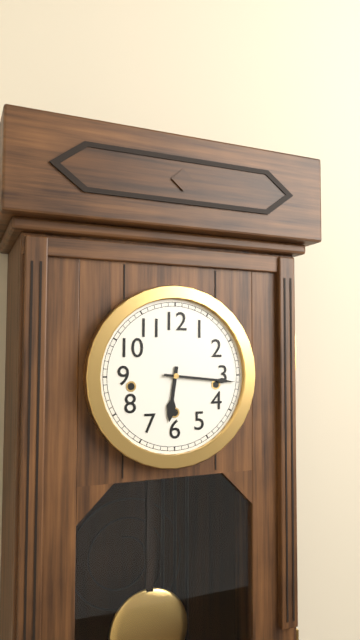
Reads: 6,16
